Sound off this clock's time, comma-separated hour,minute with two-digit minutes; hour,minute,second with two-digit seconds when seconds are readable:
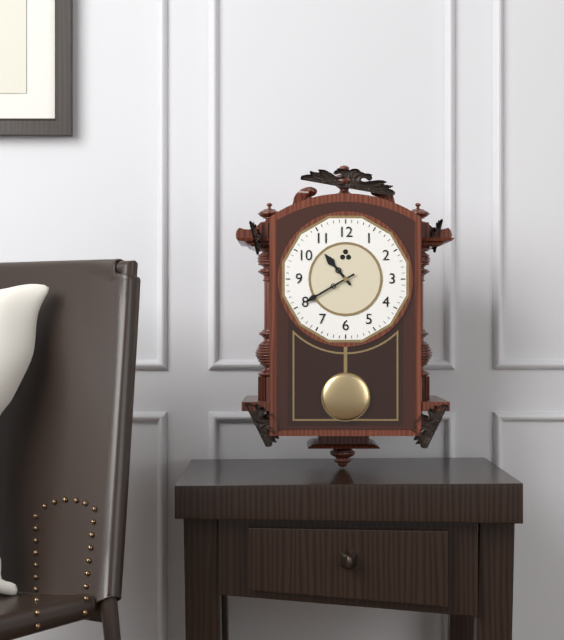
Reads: 10,40
